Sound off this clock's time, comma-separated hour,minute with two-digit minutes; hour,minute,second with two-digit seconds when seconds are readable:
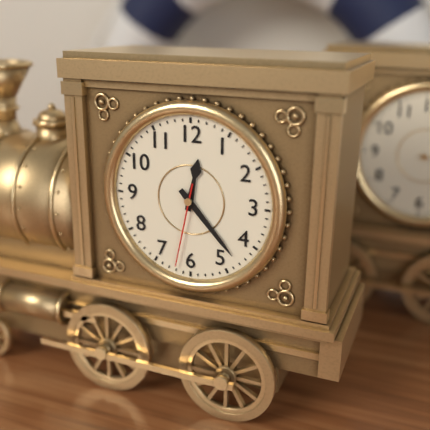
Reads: 12,23,32
